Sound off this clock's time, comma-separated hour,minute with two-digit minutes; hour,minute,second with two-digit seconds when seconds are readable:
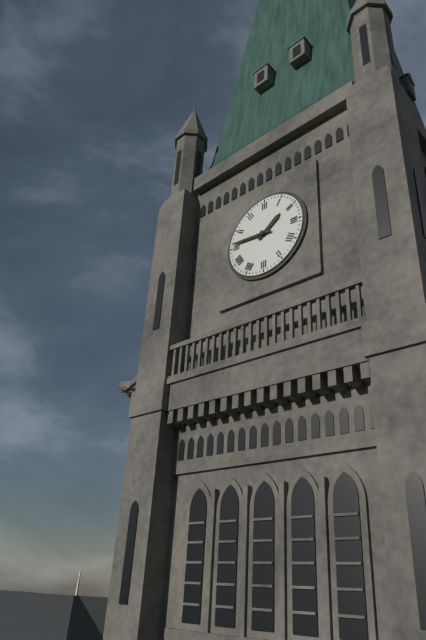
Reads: 1,46
